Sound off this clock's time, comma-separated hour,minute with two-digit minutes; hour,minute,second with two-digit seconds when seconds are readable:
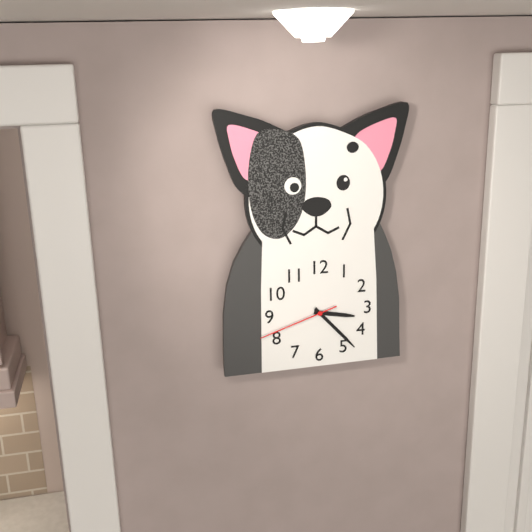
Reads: 3,23,42
